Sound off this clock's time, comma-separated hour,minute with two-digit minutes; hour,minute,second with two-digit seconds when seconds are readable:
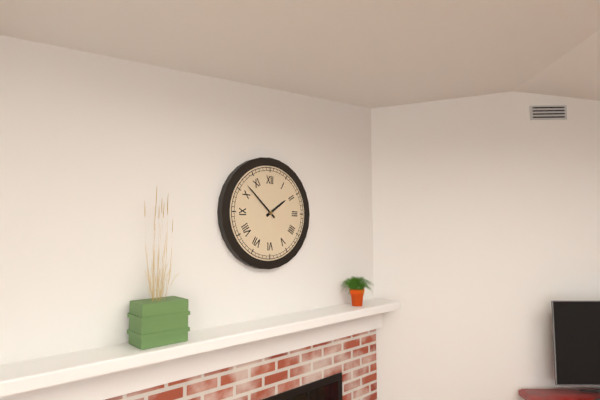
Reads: 1,52
